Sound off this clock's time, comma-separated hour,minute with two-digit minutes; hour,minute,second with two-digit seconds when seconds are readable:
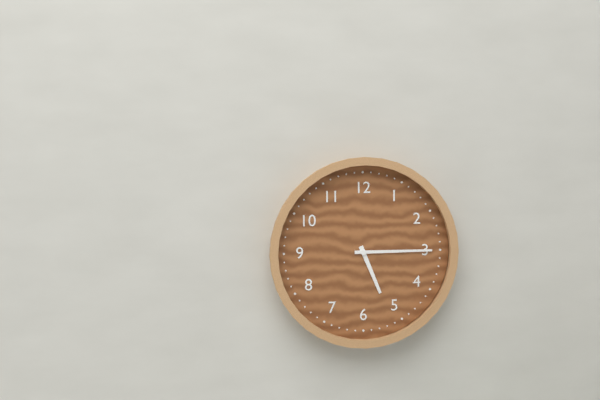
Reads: 5,15
